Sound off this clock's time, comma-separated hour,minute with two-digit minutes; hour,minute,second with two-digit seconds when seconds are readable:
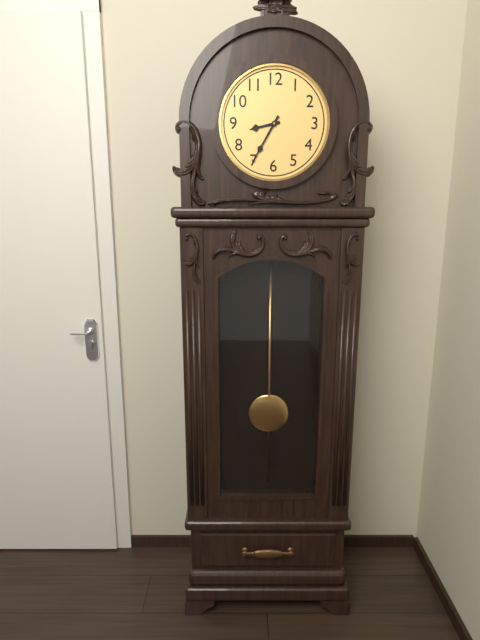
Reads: 8,35
